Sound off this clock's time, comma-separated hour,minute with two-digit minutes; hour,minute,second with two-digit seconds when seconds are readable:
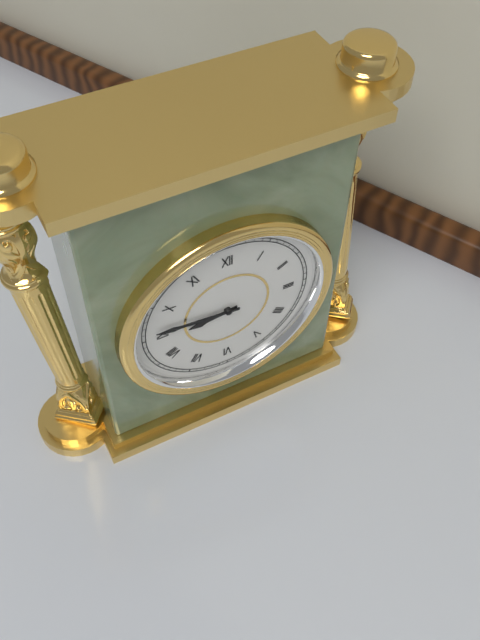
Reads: 8,46
